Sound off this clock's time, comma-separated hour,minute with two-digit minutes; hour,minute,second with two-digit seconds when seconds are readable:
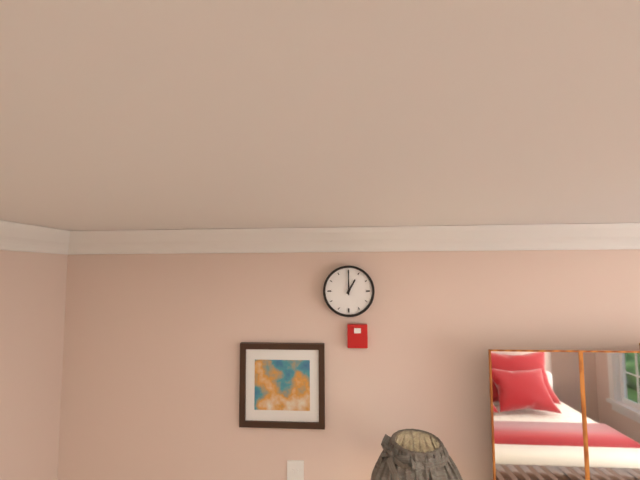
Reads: 1,00
